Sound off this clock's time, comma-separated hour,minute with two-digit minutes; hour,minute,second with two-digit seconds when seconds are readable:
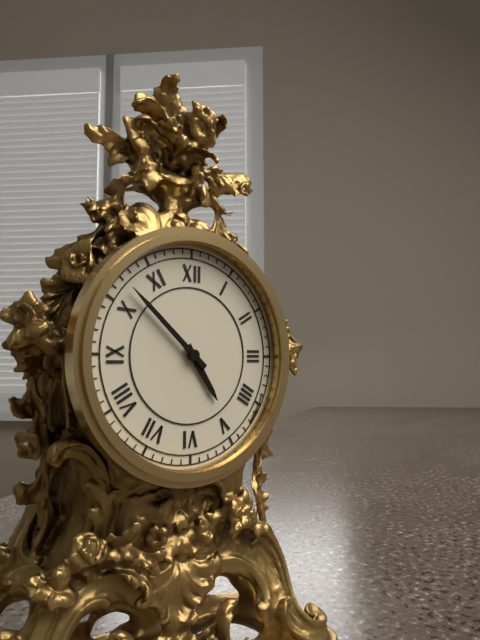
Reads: 4,52
